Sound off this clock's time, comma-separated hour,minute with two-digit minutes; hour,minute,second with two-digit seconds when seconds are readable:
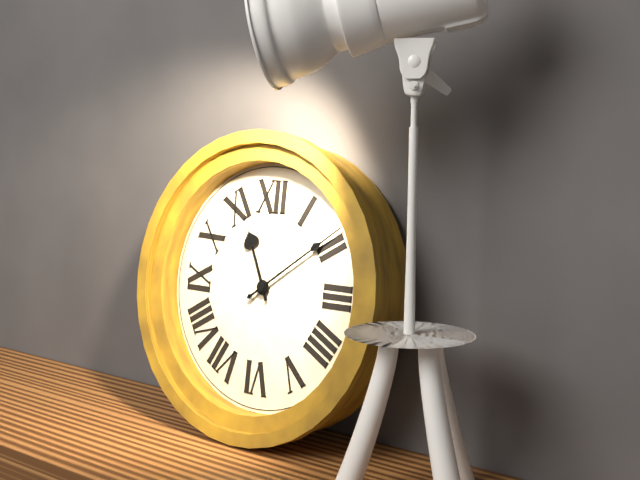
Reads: 11,09
